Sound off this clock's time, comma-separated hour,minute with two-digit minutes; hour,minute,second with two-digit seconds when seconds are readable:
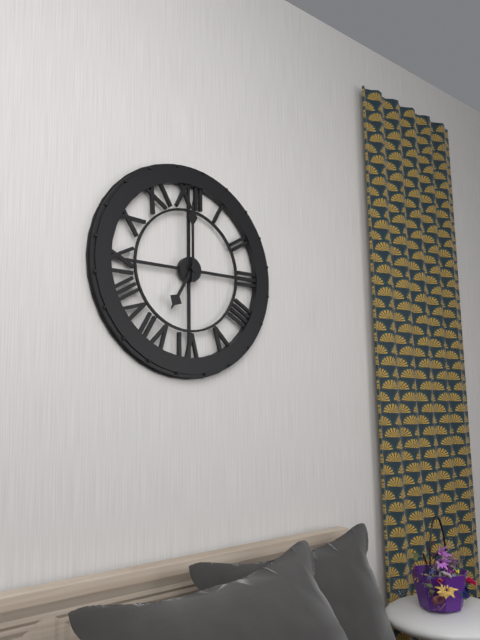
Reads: 7,00
